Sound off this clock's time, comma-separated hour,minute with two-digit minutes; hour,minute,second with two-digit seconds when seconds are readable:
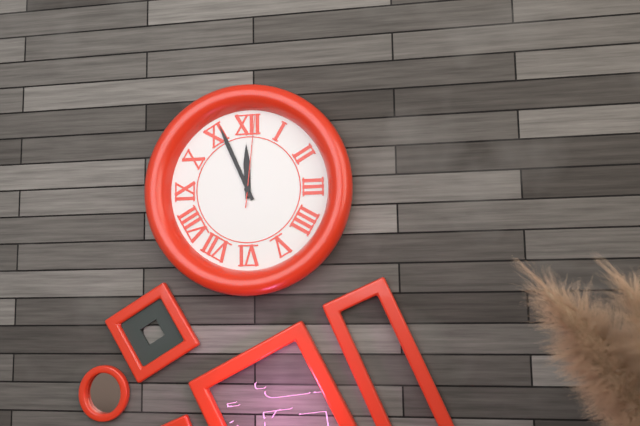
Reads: 11,56,01
